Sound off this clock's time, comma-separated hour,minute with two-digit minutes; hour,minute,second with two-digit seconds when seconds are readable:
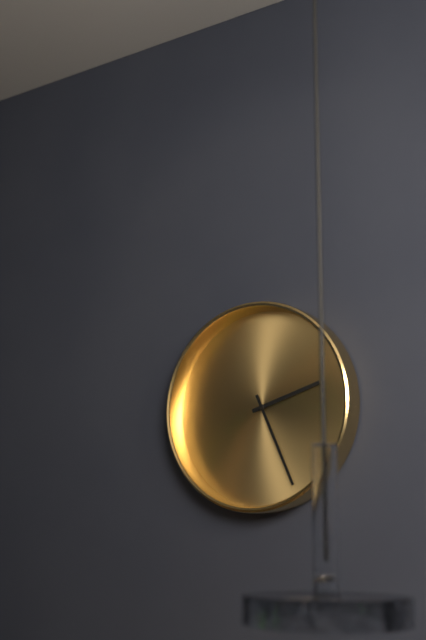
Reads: 2,26
